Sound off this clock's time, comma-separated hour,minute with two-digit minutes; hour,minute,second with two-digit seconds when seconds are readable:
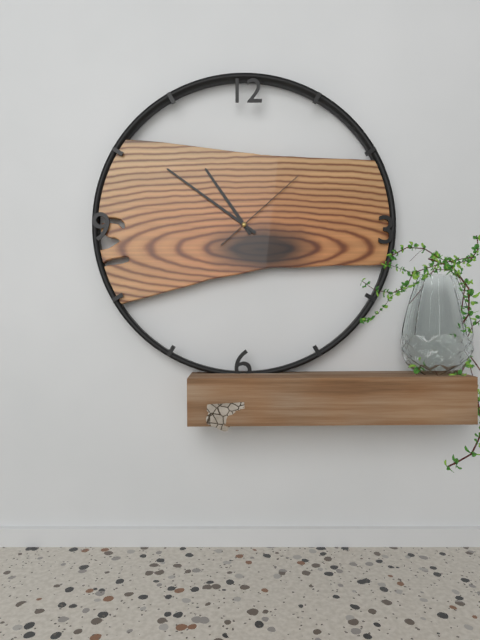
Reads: 10,51,08
